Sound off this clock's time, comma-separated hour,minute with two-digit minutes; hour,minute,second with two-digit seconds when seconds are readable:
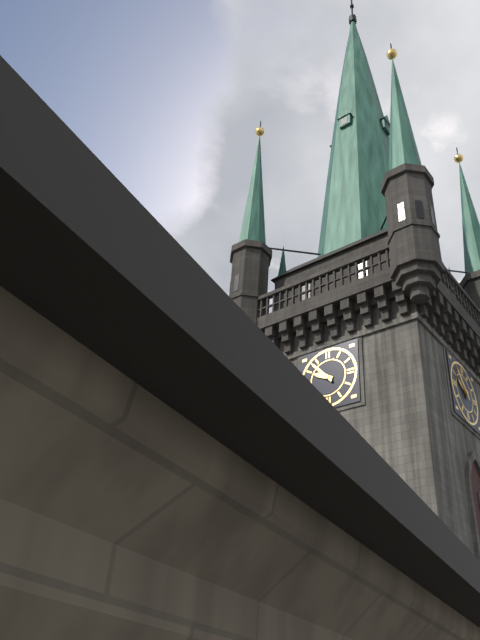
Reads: 9,53
